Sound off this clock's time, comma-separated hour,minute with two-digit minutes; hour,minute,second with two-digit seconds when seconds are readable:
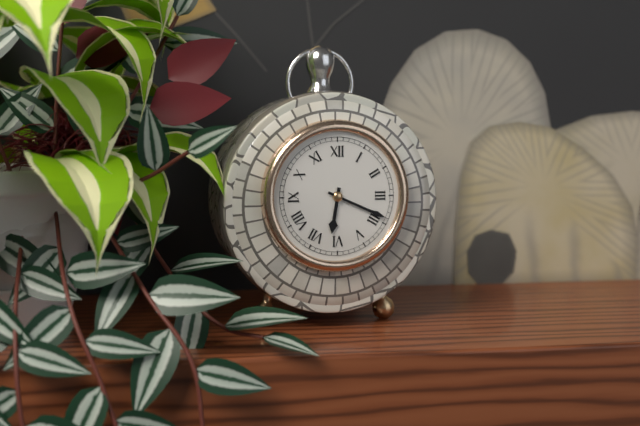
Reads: 6,19
